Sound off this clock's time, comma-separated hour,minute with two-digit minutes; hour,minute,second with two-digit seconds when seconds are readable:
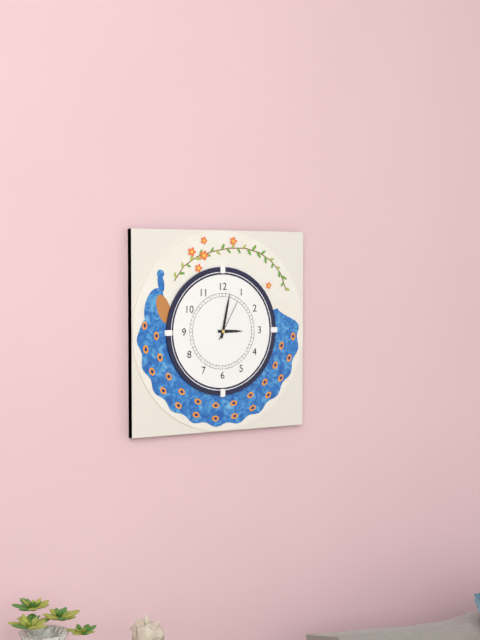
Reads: 3,02
